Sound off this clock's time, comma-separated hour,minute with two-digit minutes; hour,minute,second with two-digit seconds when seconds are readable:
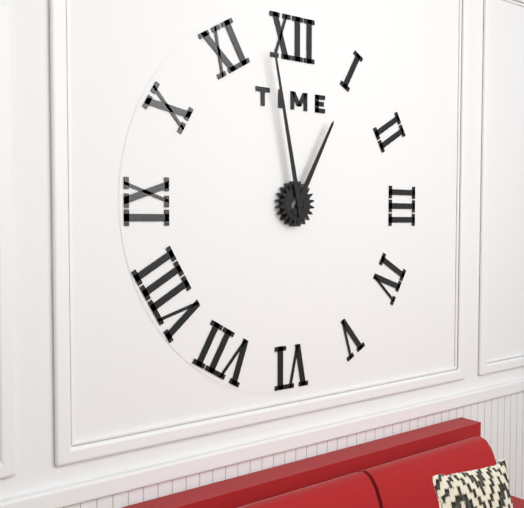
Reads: 12,58
